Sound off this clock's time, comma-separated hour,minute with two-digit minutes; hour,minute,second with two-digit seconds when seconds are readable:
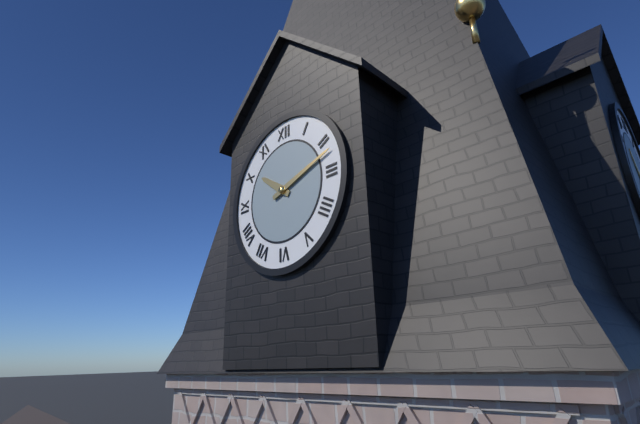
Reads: 10,12
